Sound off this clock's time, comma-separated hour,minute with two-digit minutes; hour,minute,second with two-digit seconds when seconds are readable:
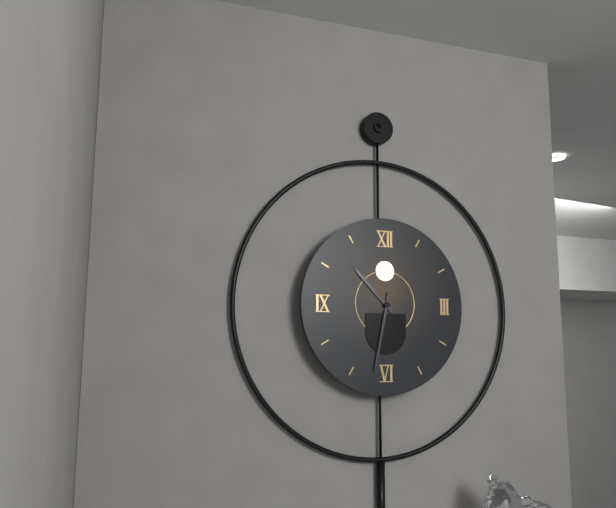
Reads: 10,32
